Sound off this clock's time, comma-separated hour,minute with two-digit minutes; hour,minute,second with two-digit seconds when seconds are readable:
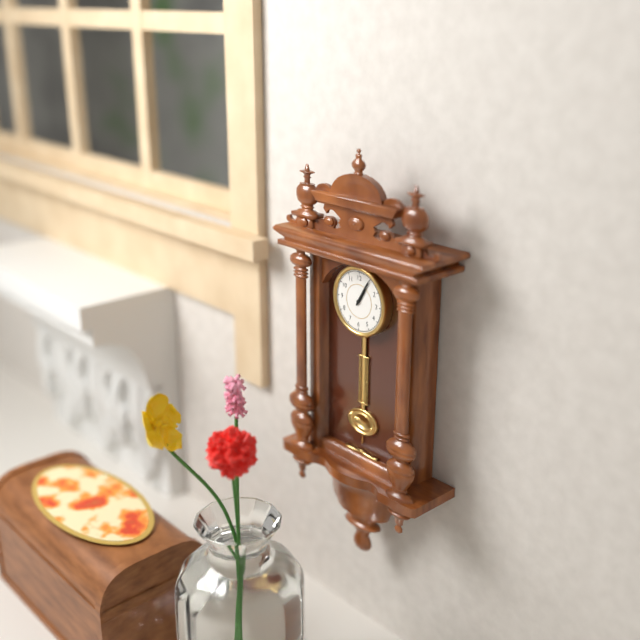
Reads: 1,05
